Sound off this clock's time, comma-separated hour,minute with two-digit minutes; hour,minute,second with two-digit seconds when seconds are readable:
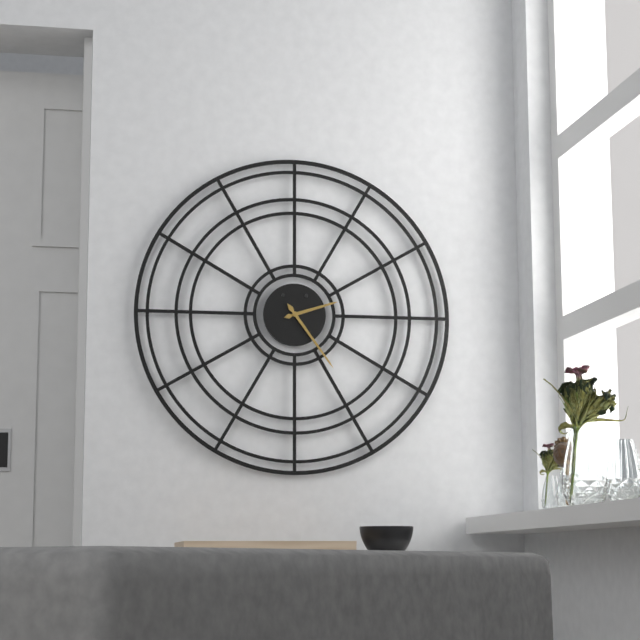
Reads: 2,24
